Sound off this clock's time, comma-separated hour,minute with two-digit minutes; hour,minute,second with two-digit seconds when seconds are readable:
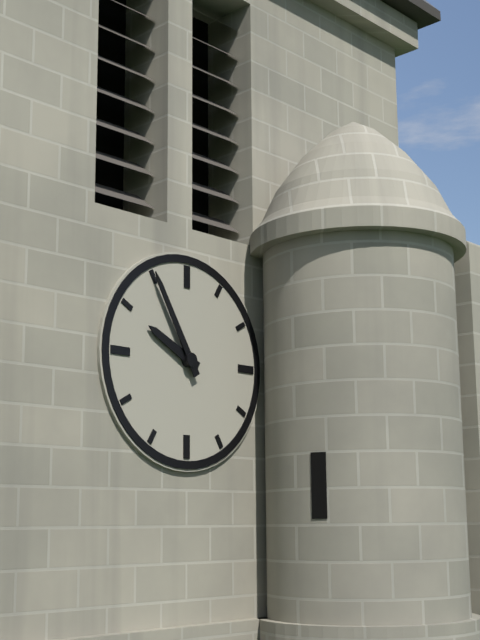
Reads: 9,55
